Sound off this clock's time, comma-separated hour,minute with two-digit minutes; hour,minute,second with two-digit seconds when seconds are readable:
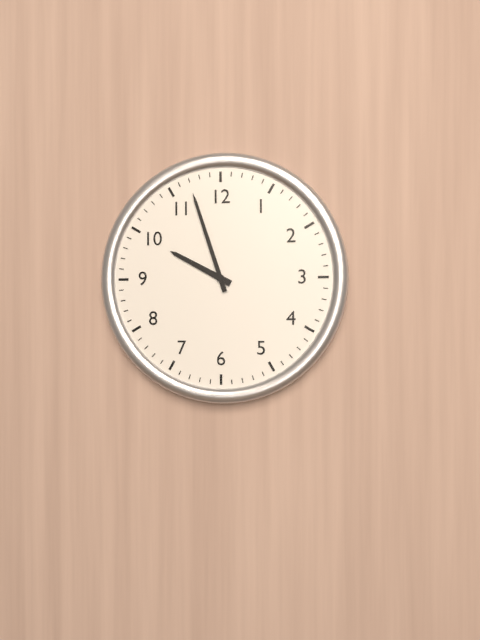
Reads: 9,57
